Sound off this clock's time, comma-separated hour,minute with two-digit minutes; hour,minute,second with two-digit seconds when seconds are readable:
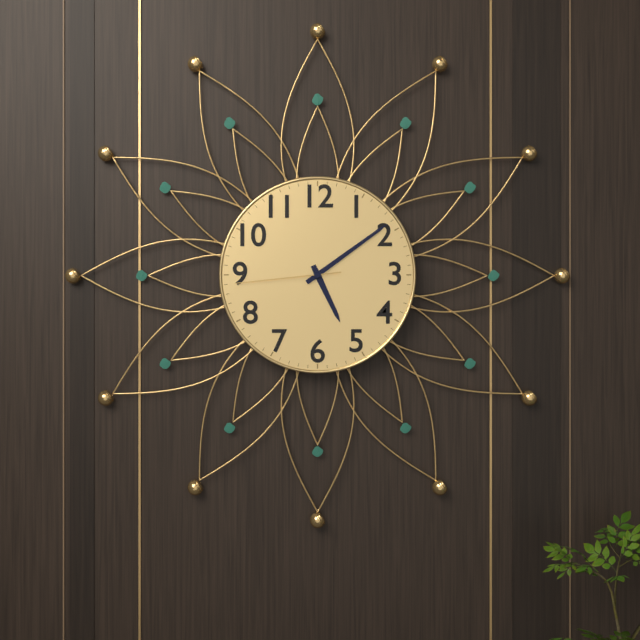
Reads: 5,09,44
